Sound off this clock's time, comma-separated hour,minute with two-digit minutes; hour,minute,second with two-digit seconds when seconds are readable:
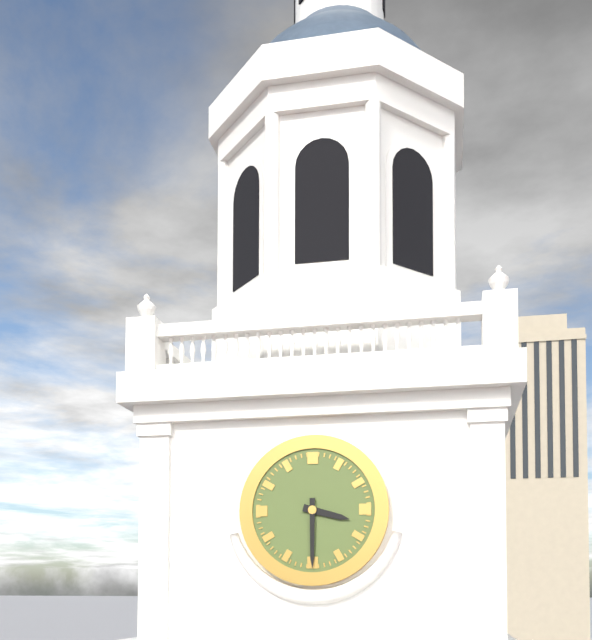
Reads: 3,30
